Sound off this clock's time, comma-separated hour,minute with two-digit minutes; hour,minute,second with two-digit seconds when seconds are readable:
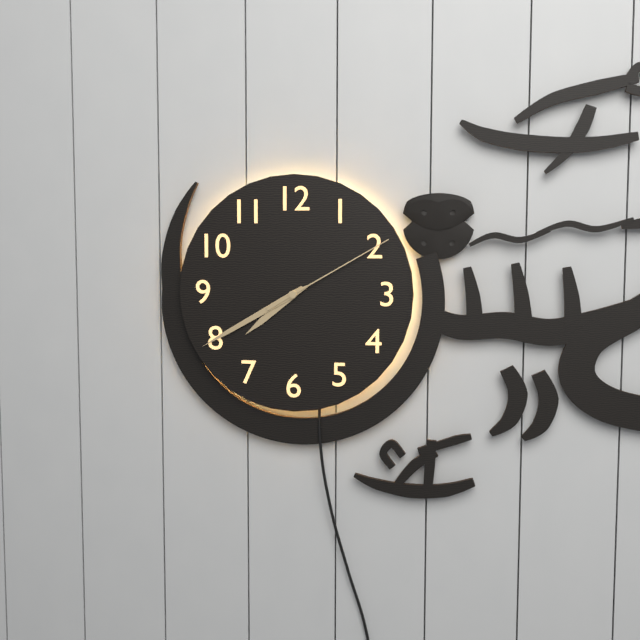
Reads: 7,40,10
